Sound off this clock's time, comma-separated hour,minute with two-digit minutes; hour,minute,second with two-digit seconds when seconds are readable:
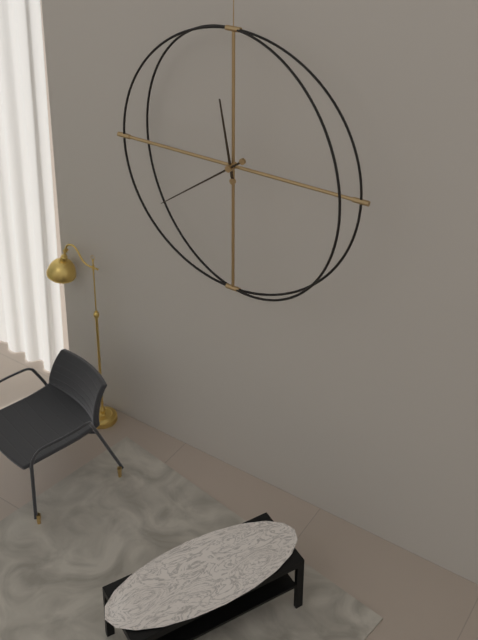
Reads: 11,39
